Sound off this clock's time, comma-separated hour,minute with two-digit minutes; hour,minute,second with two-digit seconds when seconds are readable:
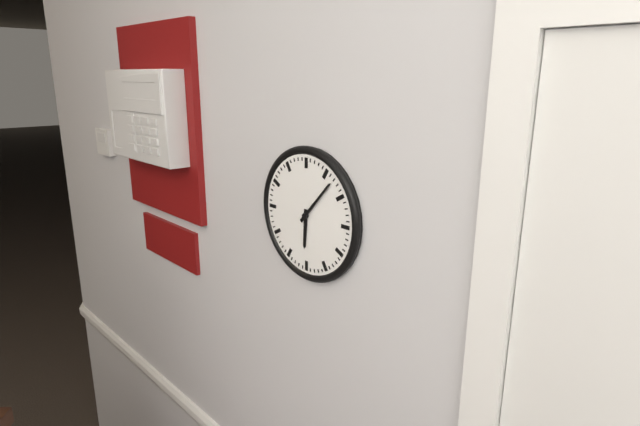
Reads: 6,07
